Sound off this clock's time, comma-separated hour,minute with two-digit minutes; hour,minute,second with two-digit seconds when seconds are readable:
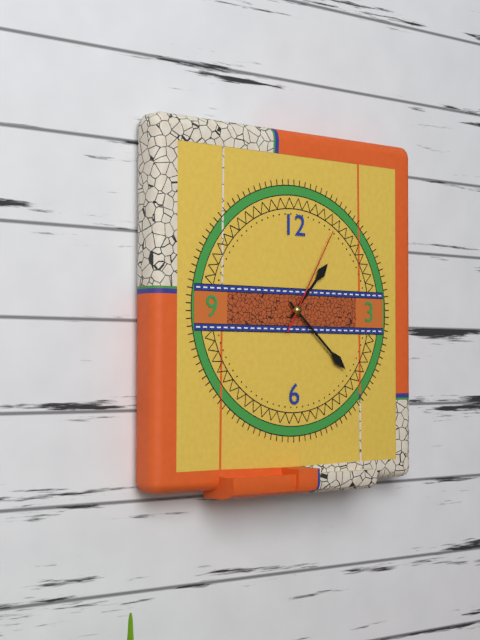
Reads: 1,22,05
